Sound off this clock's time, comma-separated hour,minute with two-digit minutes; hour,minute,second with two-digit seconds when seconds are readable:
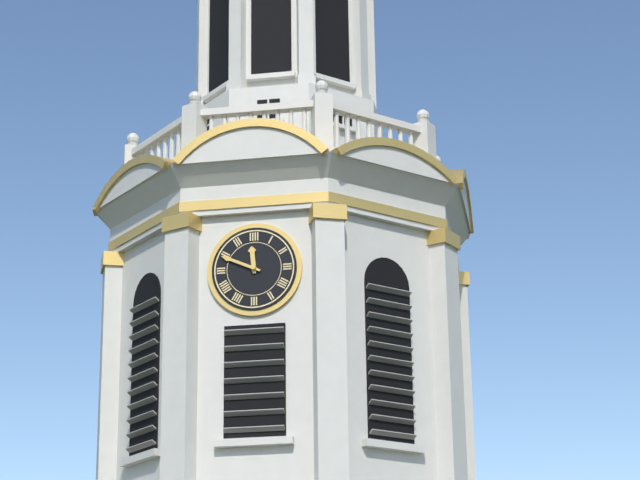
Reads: 11,49
